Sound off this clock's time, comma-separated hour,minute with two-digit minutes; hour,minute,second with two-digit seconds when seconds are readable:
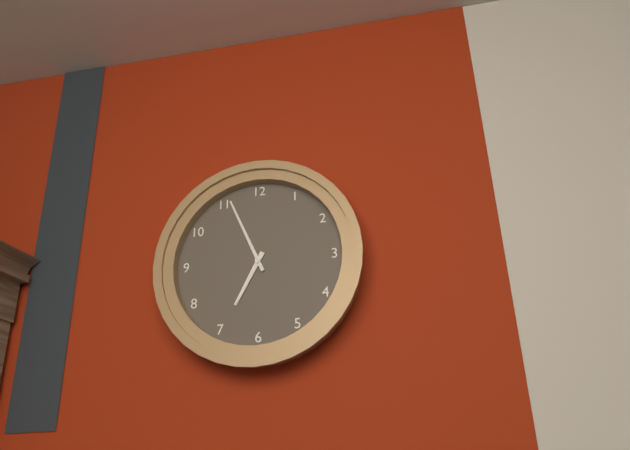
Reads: 6,56
